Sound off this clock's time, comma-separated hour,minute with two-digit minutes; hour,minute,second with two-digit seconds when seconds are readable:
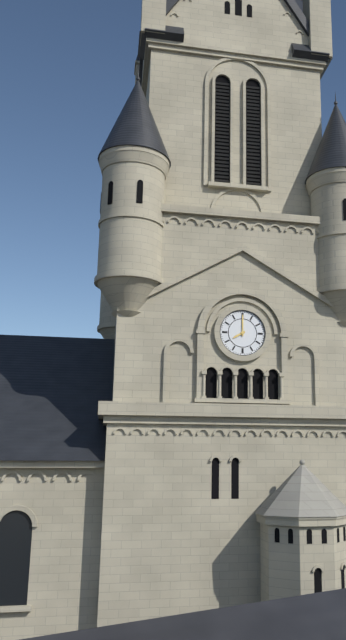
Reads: 8,00
